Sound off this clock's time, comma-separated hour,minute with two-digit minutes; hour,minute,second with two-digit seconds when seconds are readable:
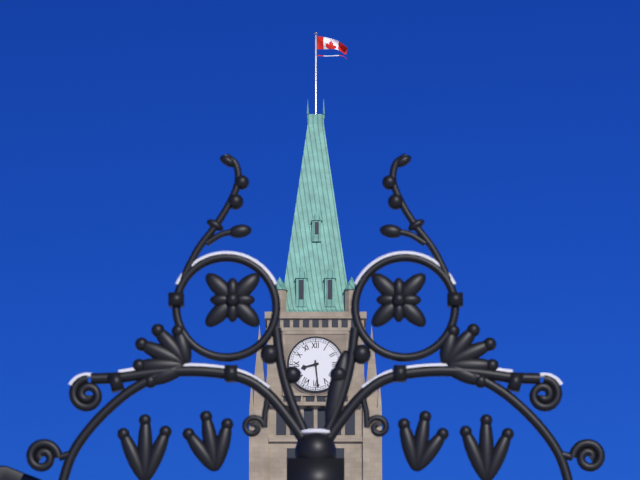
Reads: 8,29
